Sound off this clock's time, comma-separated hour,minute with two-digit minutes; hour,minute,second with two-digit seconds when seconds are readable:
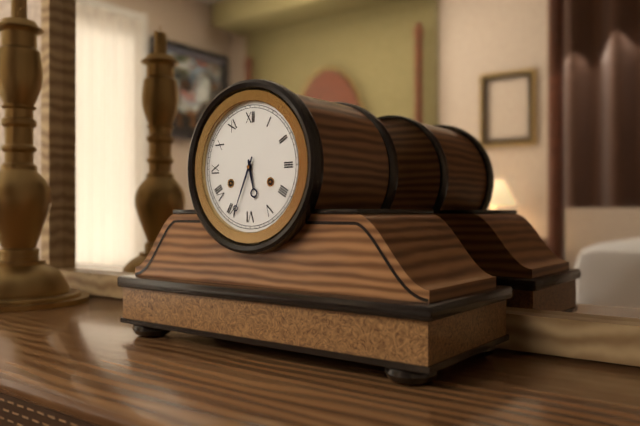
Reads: 5,34
